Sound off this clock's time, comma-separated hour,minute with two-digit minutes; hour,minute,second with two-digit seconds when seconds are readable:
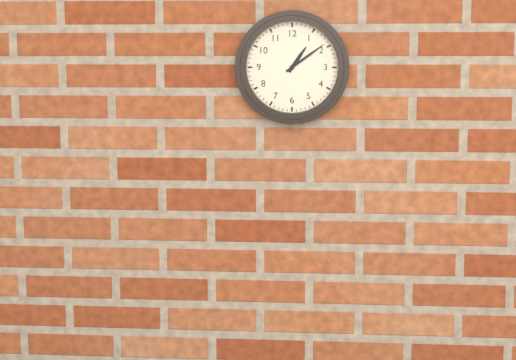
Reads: 1,09
